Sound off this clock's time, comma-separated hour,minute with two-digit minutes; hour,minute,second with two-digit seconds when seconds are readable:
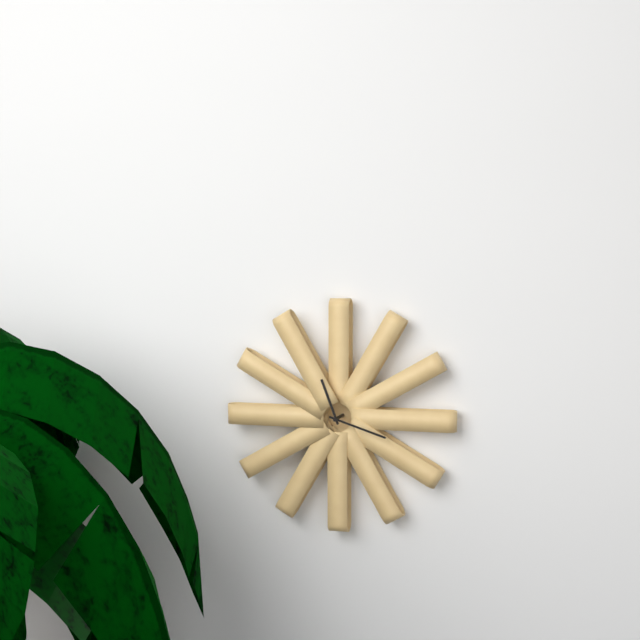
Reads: 11,18
